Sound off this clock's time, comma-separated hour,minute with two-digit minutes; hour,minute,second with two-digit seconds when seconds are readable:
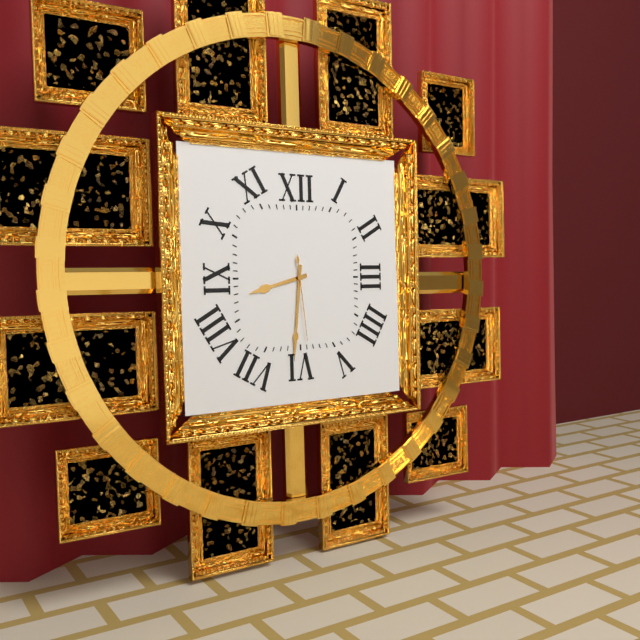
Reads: 8,31,29
